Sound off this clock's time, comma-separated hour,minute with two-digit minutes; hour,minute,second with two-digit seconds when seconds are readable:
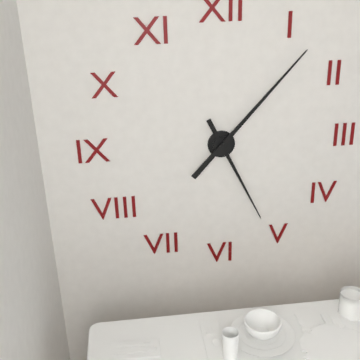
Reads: 5,07
